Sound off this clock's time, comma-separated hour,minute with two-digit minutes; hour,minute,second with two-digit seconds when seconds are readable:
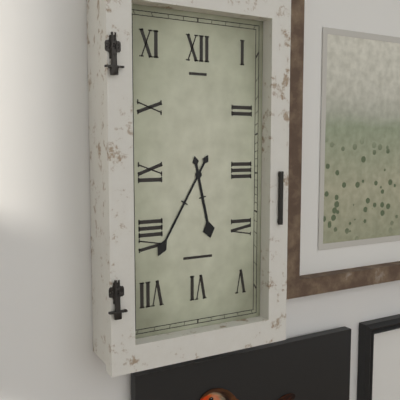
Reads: 5,35
